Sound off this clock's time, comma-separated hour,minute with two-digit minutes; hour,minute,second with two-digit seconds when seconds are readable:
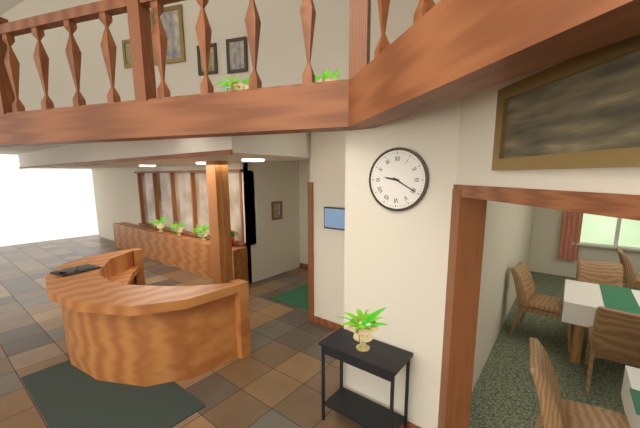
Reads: 9,20
